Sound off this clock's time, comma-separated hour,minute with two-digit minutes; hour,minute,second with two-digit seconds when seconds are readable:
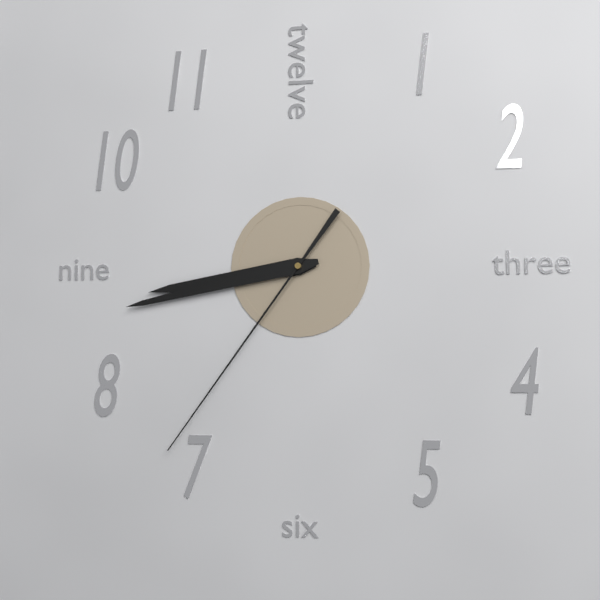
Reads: 8,43,36
